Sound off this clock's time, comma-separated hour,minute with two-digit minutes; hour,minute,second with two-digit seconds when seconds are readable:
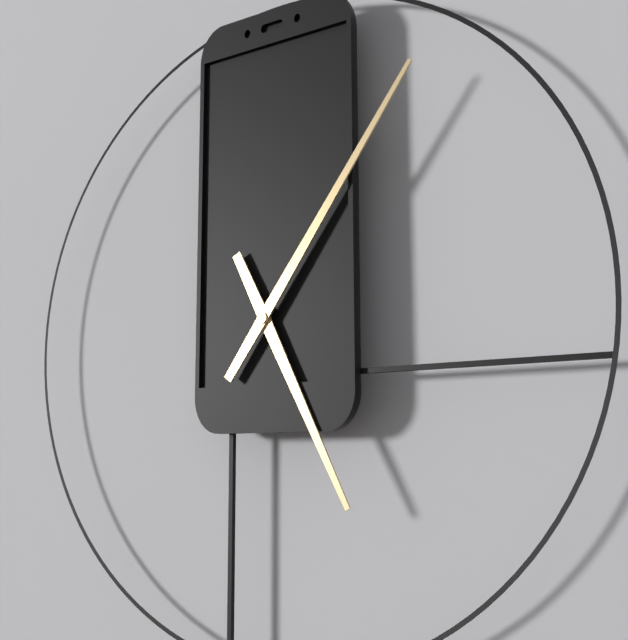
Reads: 5,06
